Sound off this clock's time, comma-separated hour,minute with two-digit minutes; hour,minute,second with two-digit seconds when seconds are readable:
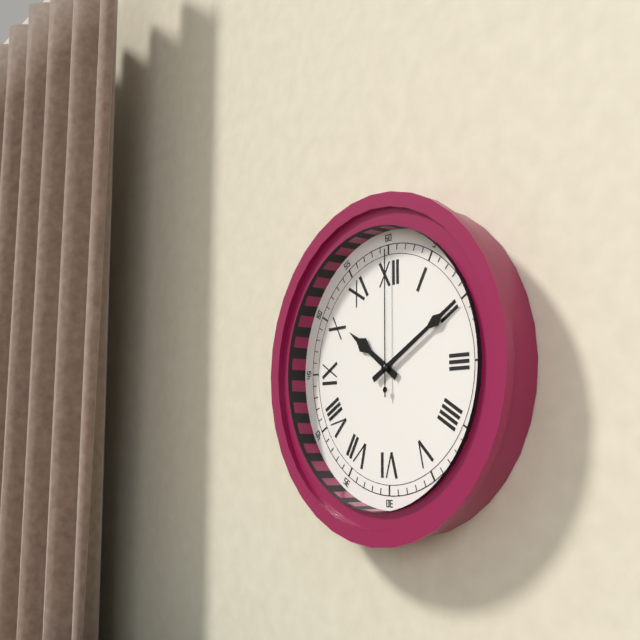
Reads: 10,10,00
